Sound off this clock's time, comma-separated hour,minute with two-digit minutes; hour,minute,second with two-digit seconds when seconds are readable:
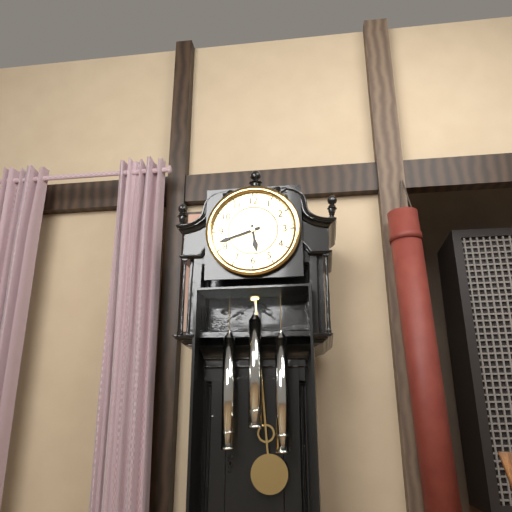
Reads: 5,42
